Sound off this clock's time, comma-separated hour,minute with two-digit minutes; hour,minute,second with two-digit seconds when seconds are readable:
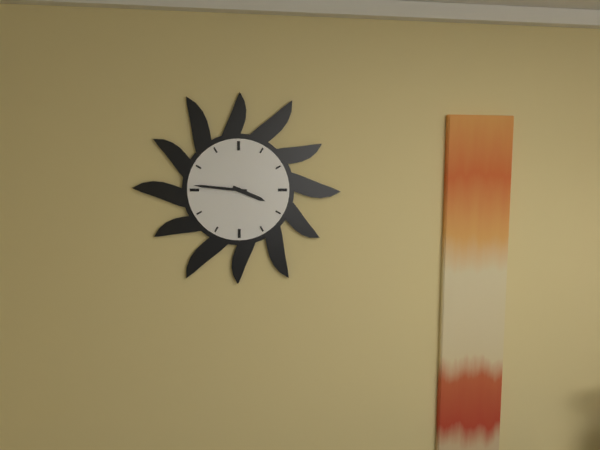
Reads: 3,46
